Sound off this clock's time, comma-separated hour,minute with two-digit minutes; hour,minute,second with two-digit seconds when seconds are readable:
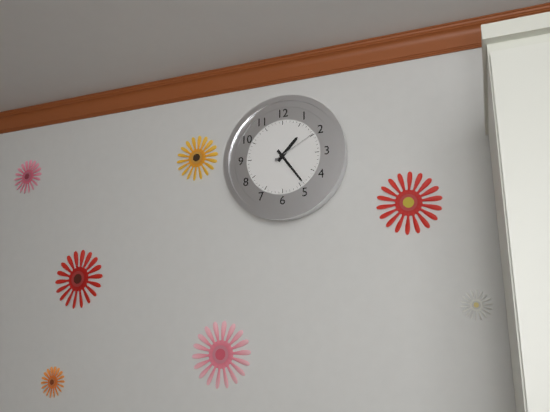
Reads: 1,24
